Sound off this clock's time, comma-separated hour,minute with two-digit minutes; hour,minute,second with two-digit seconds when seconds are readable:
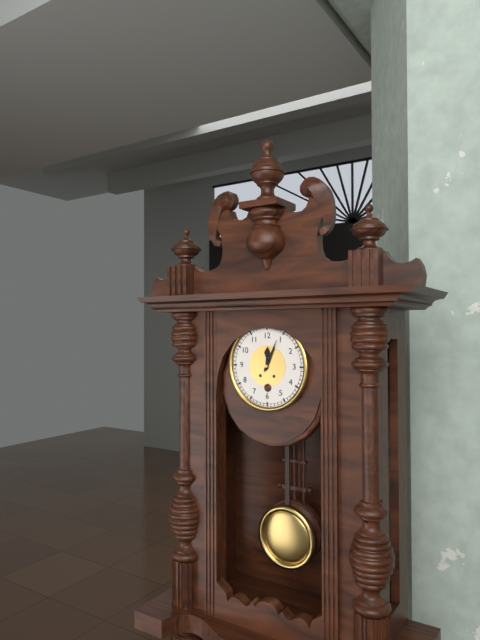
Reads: 12,04
